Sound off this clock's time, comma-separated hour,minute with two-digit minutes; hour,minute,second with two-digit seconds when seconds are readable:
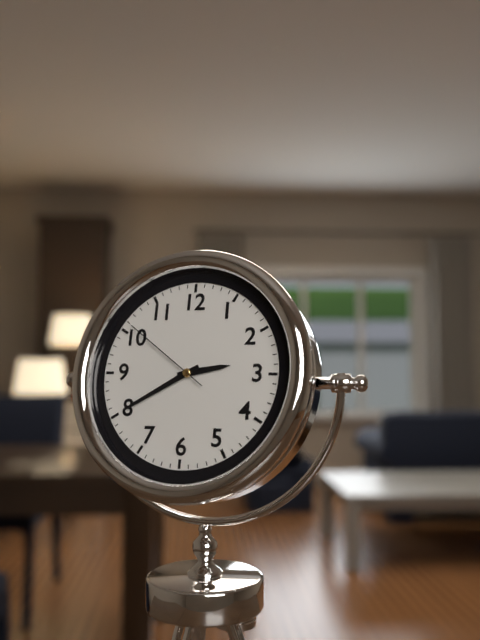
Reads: 2,40,51
